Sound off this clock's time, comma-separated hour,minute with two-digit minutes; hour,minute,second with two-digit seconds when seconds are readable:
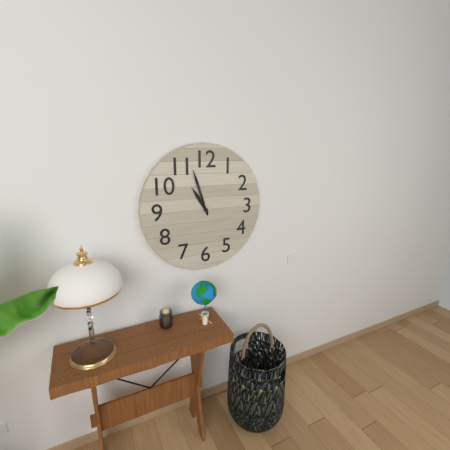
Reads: 10,57
